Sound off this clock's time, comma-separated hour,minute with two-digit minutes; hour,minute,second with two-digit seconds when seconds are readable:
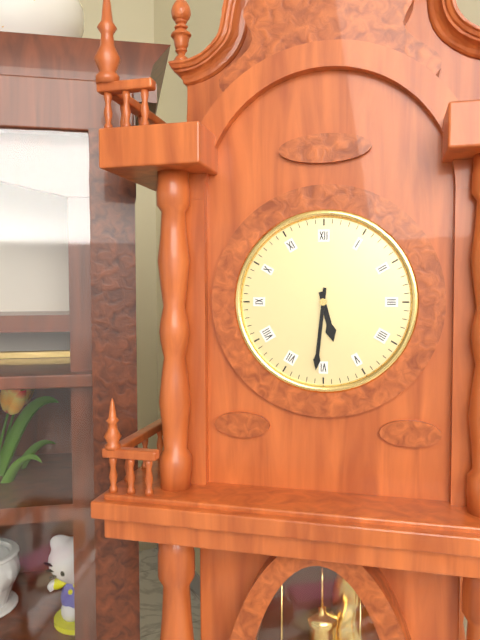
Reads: 5,31
